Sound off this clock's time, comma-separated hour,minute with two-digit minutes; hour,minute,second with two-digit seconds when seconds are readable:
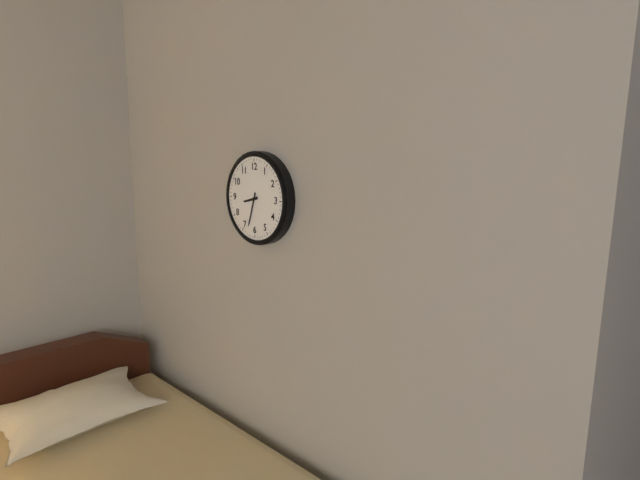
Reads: 8,33
